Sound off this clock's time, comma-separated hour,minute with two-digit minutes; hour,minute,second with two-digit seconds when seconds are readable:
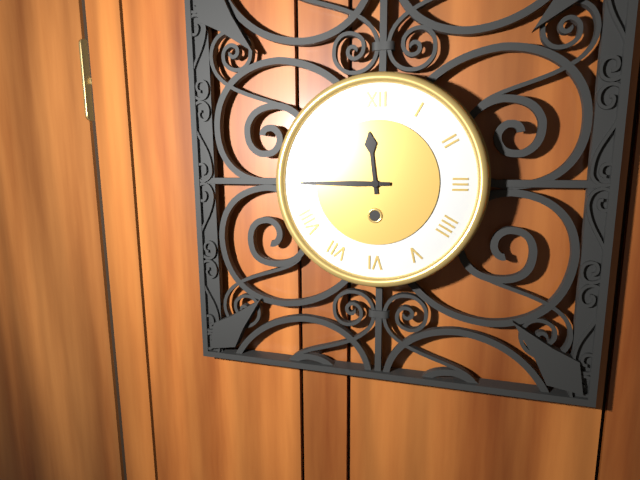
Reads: 11,45
